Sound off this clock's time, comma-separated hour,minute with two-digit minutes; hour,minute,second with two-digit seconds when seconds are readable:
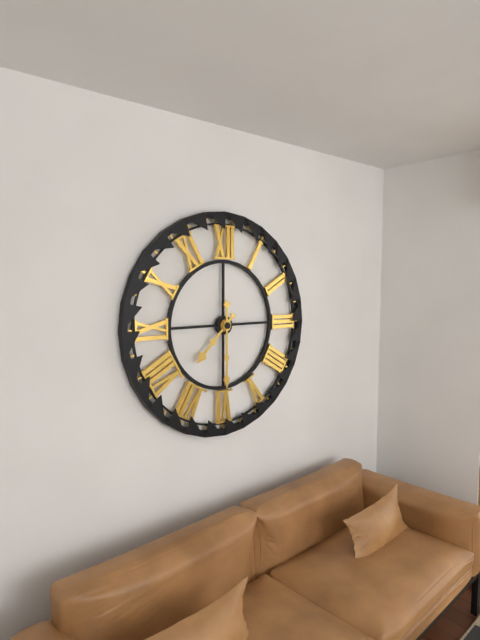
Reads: 7,30
